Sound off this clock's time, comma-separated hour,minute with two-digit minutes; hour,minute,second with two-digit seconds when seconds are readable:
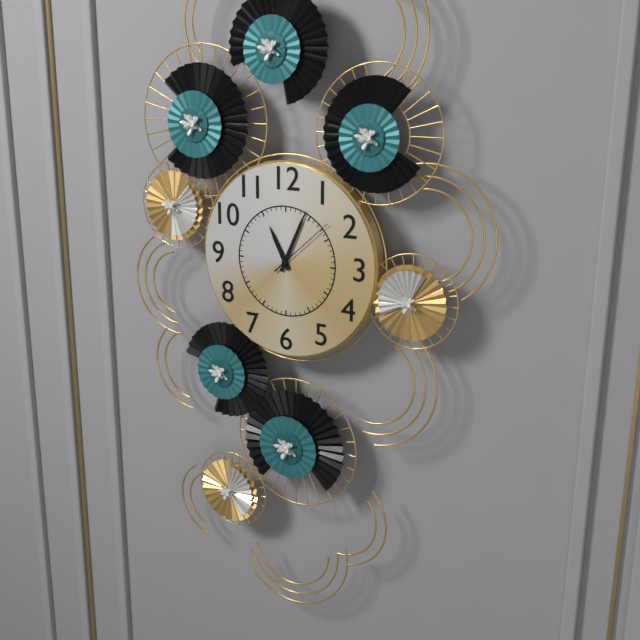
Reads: 11,04,08
